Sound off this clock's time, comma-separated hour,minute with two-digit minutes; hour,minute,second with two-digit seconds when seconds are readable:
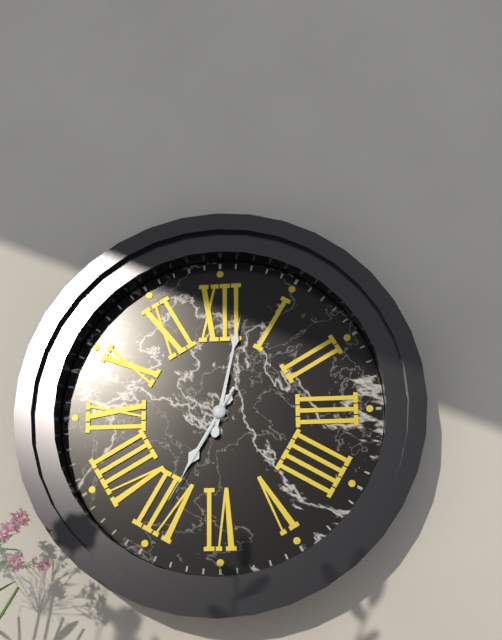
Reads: 7,02,35
